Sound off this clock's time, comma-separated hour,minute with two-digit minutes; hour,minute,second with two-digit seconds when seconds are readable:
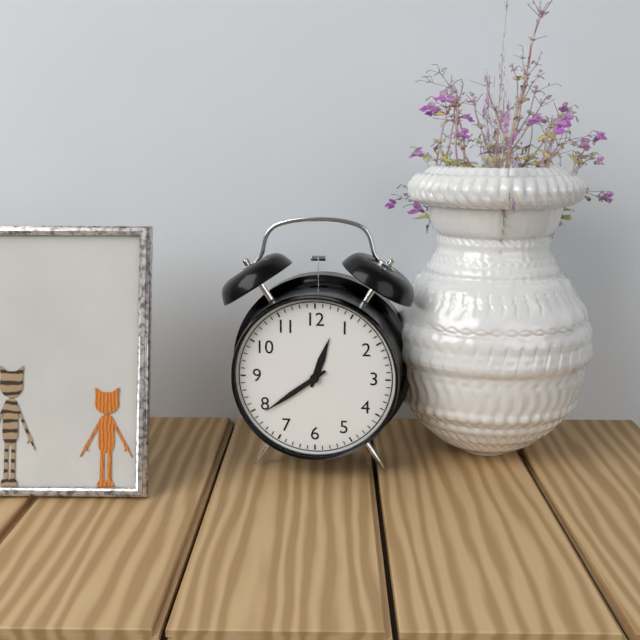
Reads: 12,39
